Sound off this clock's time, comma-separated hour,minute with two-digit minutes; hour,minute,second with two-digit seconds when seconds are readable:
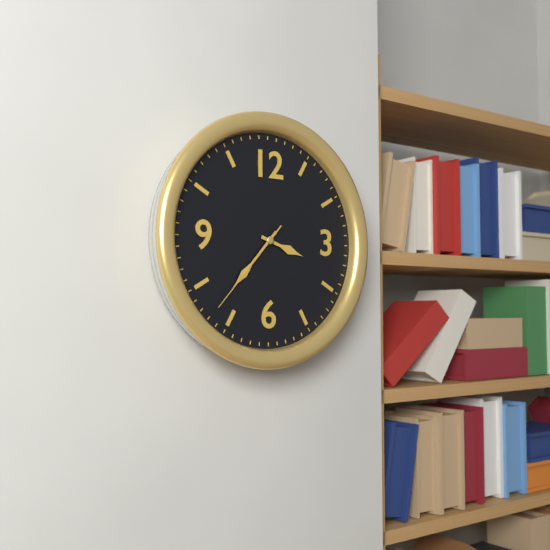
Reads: 3,37,37
